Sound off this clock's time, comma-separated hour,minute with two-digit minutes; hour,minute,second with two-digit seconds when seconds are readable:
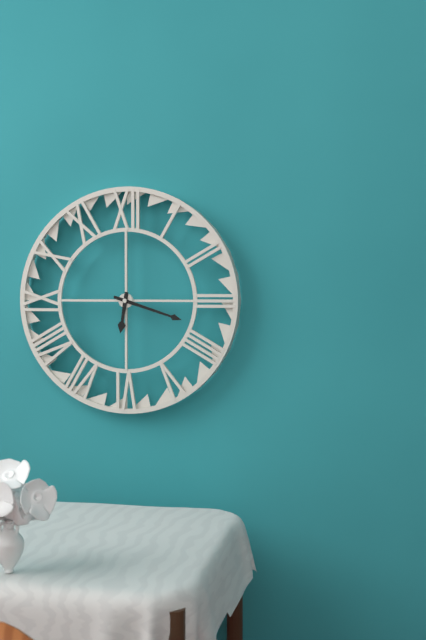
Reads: 6,18
